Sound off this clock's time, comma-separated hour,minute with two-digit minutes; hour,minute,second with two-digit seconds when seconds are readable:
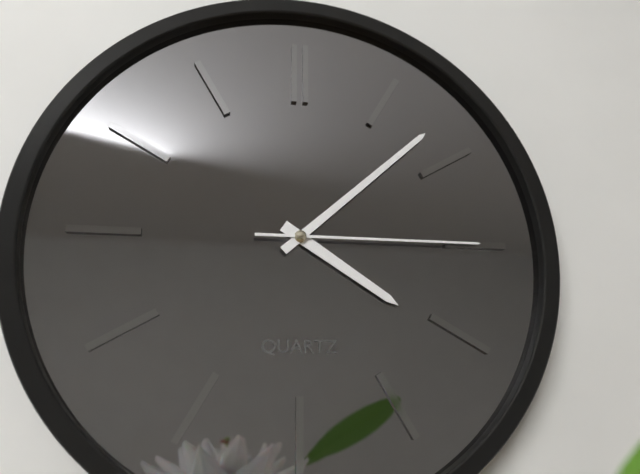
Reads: 4,08,15
